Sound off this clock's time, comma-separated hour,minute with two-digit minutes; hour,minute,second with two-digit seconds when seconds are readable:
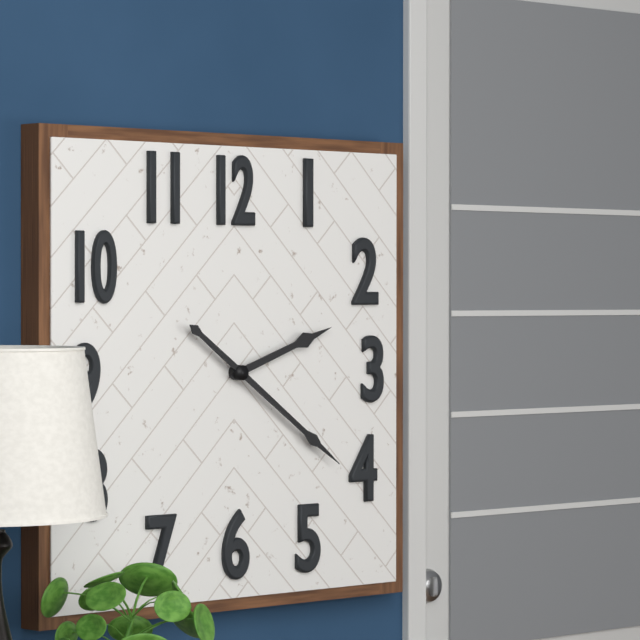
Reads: 2,21
